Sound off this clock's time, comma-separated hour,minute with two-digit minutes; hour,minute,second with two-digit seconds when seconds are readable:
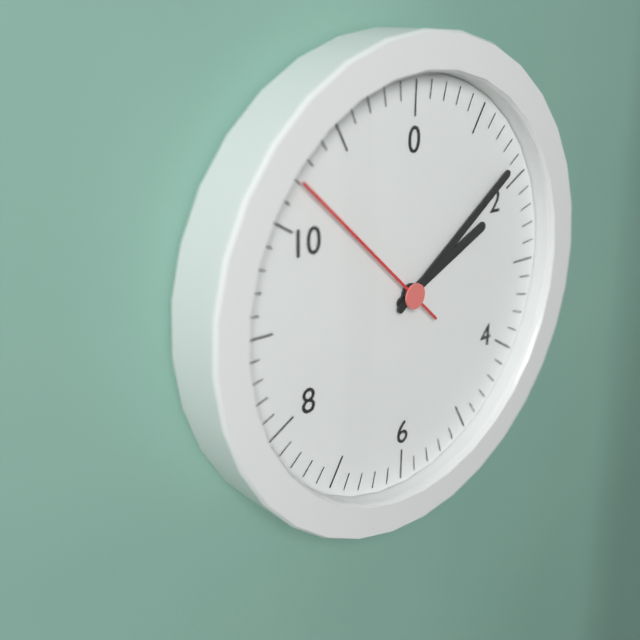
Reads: 2,09,52
